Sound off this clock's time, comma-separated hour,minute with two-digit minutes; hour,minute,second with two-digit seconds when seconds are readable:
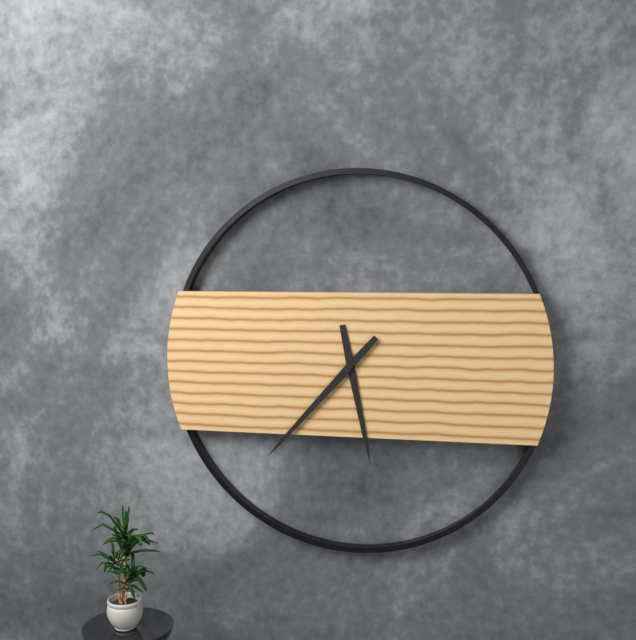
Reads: 5,37
